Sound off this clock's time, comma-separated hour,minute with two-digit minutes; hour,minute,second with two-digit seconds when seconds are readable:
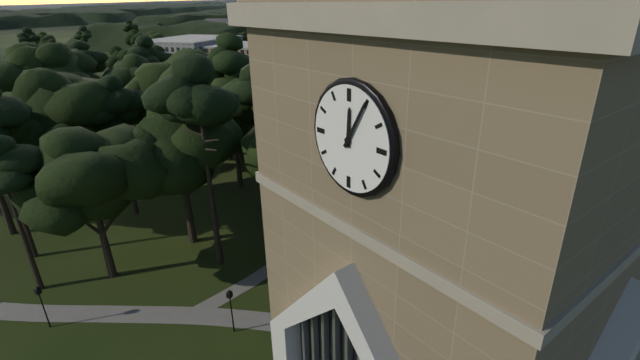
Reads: 12,05
